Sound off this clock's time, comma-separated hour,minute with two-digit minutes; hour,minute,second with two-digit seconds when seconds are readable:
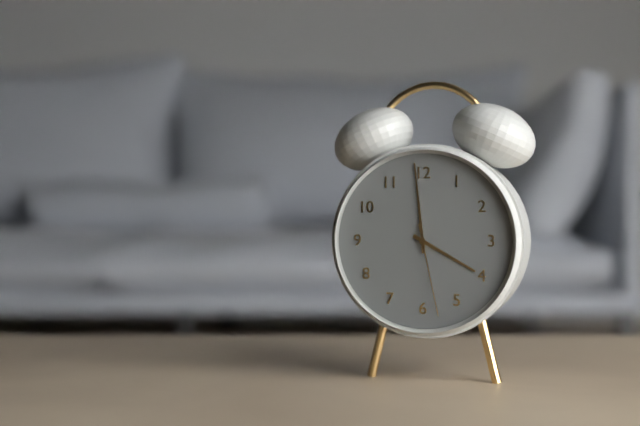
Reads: 3,59,28
